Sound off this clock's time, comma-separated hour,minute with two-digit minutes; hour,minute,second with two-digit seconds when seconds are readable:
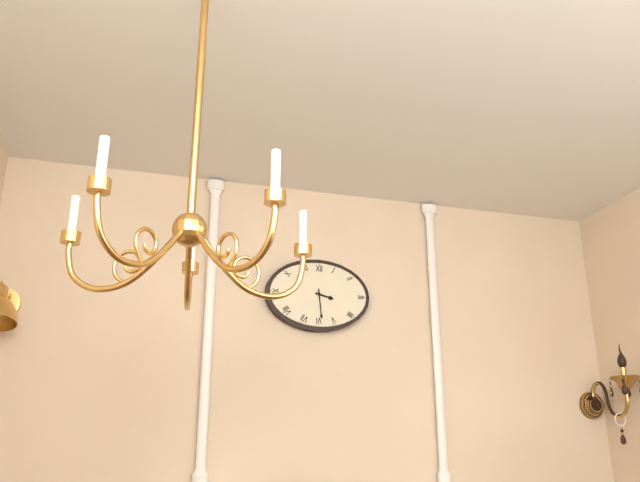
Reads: 3,29
